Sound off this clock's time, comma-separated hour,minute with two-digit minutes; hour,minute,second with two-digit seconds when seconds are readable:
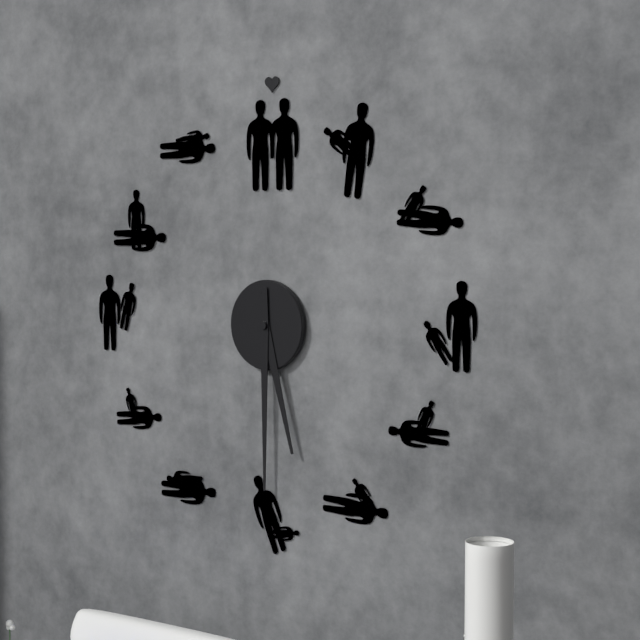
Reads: 5,30
